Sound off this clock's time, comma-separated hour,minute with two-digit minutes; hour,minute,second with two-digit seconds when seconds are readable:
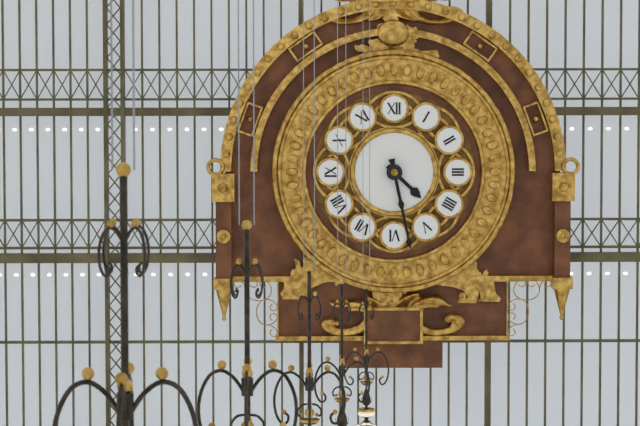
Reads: 4,28
